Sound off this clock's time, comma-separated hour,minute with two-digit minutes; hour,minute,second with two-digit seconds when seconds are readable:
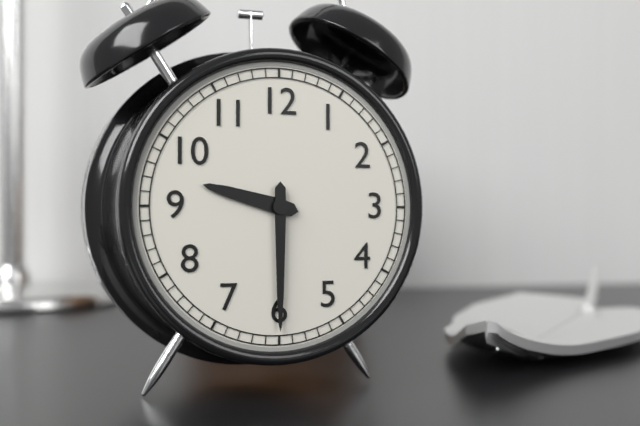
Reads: 9,30
